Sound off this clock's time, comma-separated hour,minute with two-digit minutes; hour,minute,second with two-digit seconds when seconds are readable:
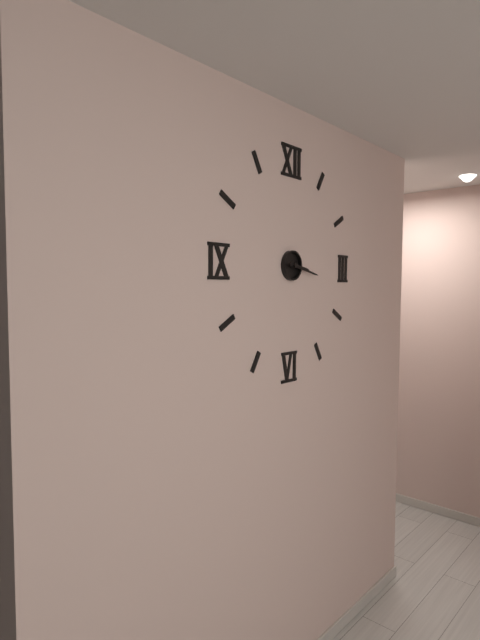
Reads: 3,17
